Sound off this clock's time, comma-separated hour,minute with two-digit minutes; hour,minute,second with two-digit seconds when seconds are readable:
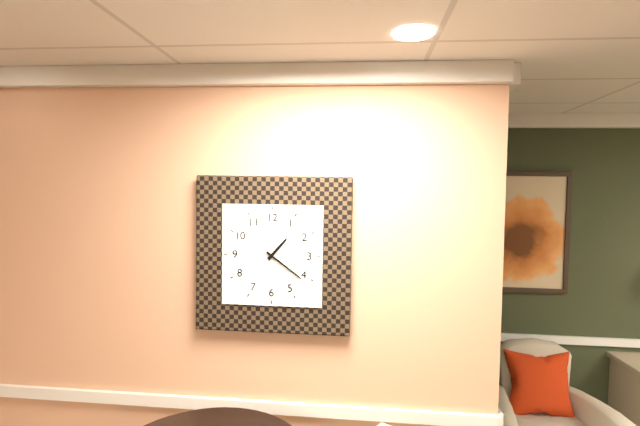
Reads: 1,21
